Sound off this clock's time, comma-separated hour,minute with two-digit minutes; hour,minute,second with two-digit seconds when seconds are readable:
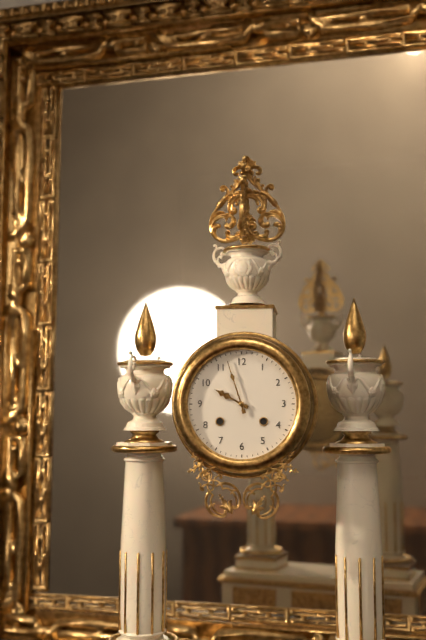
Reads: 9,57
